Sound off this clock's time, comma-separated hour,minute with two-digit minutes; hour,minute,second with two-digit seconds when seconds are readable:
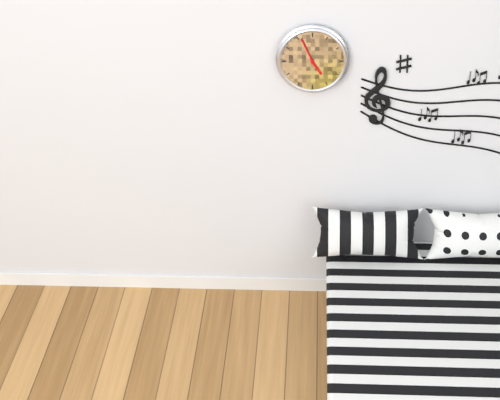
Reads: 4,56
